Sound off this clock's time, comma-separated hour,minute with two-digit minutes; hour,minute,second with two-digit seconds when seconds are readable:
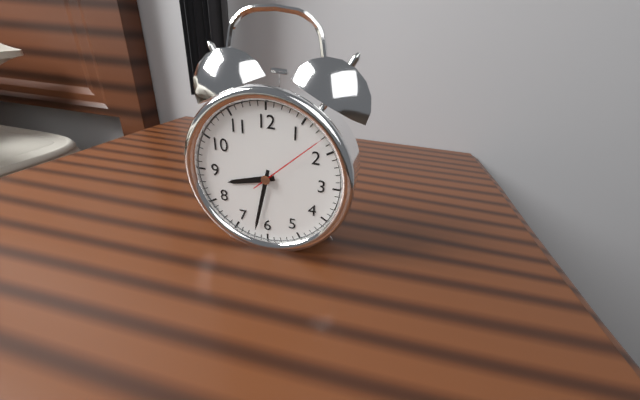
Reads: 8,32,08
